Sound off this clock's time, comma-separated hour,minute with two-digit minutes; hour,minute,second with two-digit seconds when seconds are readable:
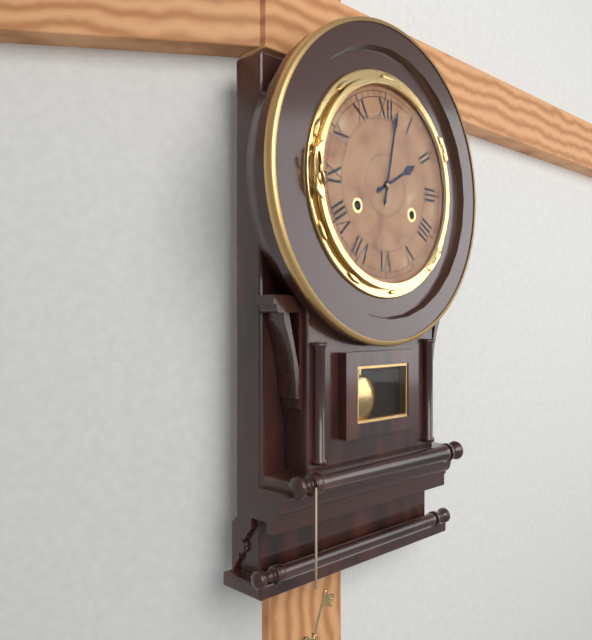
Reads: 2,02
